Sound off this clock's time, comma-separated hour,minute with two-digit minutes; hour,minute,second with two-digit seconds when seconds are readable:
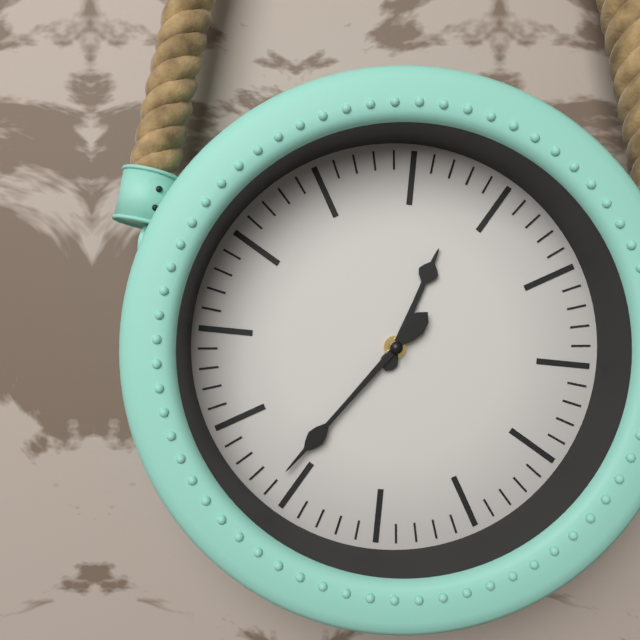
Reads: 12,36
